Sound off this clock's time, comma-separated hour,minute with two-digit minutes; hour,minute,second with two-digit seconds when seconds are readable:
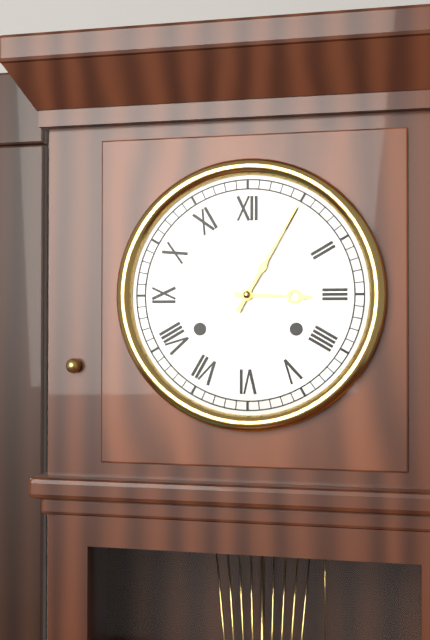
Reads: 3,05
